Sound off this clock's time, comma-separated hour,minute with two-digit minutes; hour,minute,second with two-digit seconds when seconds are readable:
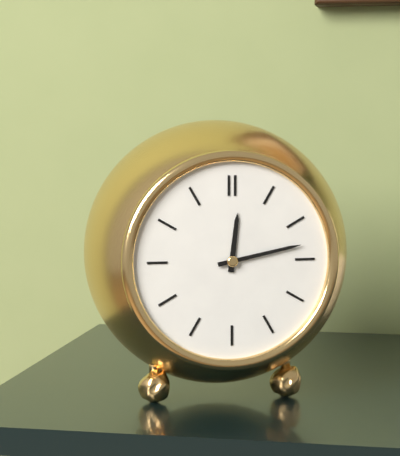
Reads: 12,13
